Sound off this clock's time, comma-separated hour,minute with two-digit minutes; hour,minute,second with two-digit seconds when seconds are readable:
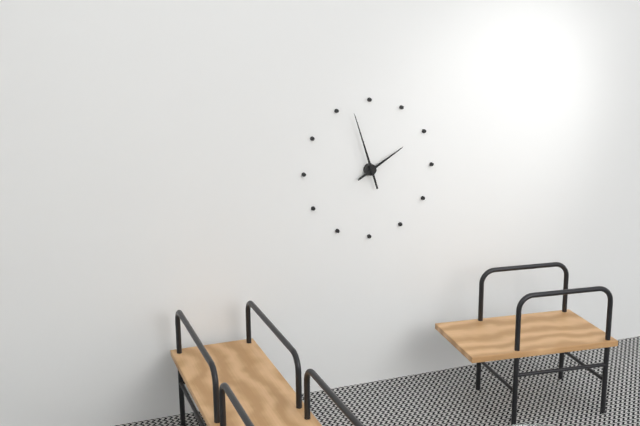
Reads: 1,57
